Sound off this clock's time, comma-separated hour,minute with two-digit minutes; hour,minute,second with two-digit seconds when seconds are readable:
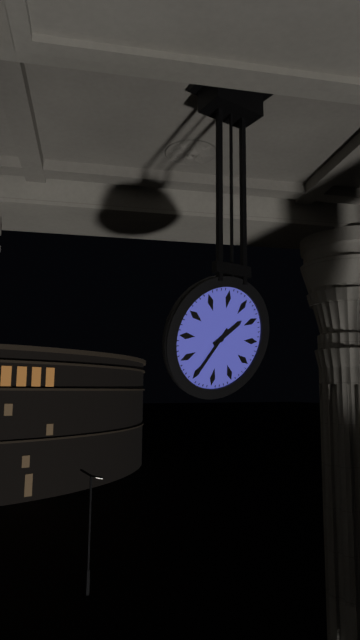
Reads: 1,35
